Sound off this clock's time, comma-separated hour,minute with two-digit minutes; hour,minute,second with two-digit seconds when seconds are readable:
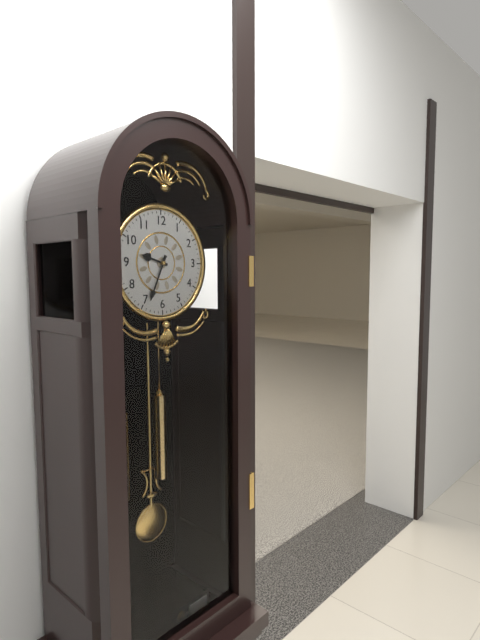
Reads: 9,34
